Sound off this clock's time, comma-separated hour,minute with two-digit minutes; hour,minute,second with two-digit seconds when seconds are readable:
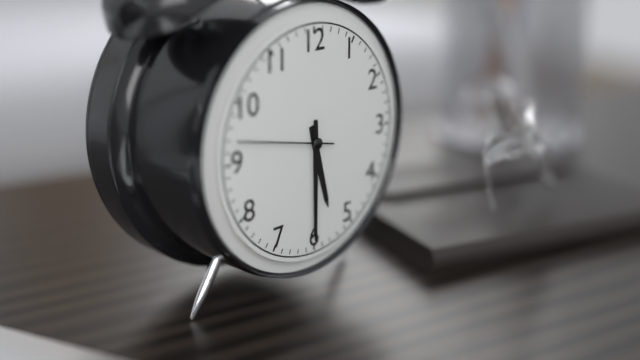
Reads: 5,30,47
